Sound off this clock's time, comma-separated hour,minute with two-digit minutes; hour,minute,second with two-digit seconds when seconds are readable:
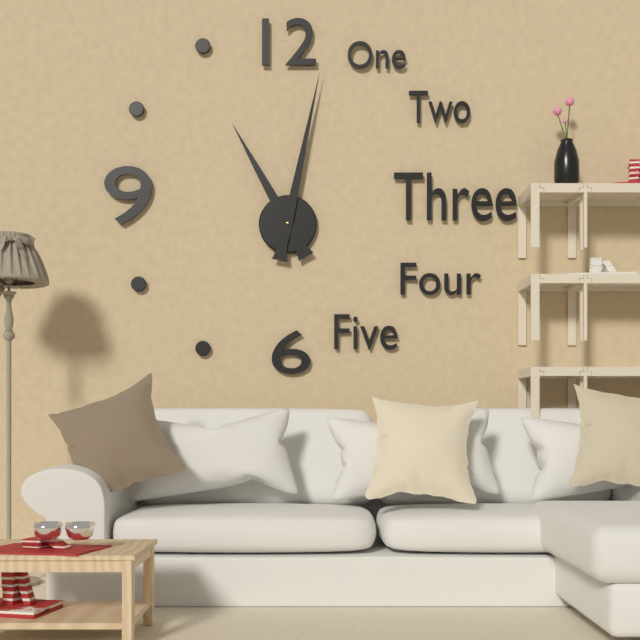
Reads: 11,02
